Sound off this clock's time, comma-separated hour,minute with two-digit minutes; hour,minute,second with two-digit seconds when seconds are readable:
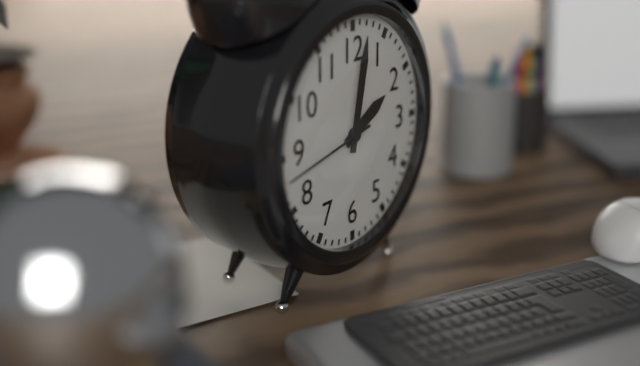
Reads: 2,02,43
